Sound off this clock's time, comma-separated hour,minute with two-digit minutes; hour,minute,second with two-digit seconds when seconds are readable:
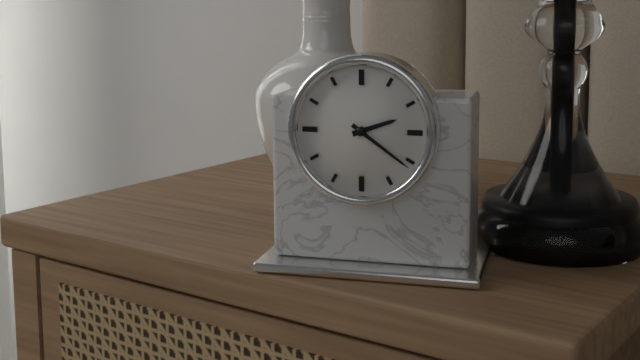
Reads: 2,21
